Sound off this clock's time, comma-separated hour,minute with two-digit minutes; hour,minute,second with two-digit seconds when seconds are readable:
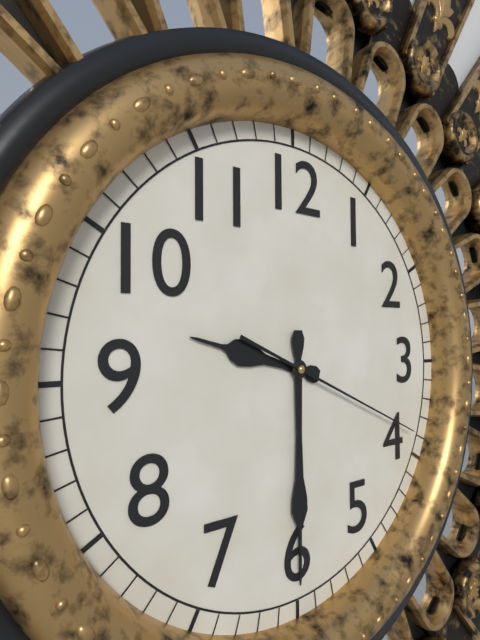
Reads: 9,30,19
